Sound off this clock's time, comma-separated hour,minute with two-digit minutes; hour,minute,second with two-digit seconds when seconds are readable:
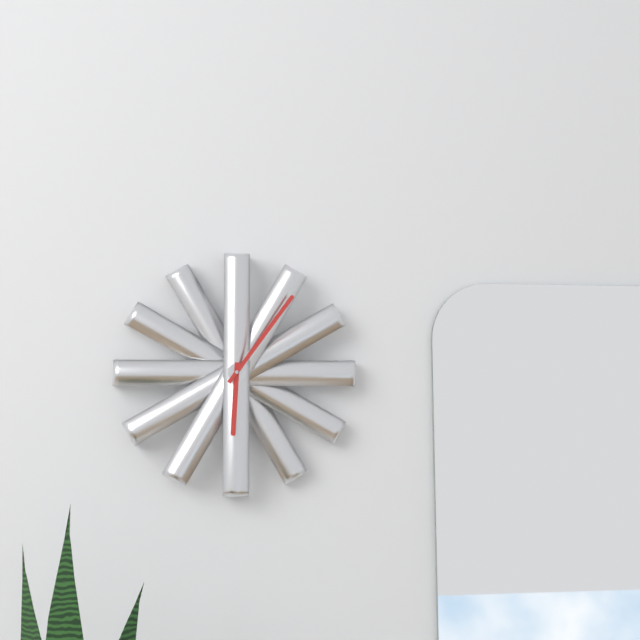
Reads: 6,06
